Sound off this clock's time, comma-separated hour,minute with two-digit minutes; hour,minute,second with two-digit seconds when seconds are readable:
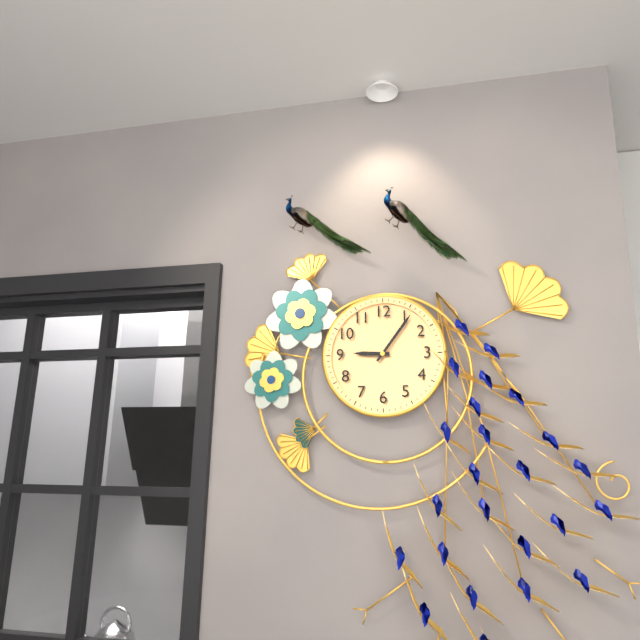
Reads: 9,06
